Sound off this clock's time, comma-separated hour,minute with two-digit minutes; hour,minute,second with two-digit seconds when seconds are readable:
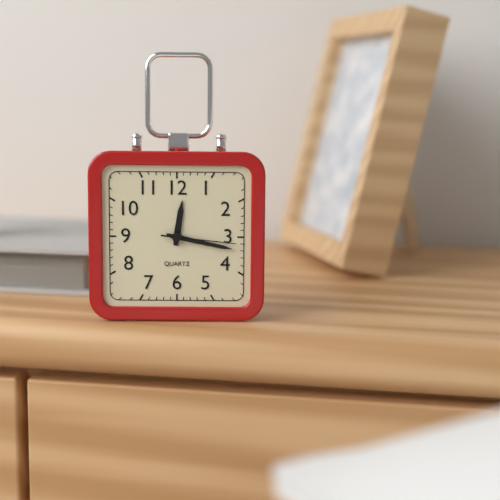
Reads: 12,17,16
